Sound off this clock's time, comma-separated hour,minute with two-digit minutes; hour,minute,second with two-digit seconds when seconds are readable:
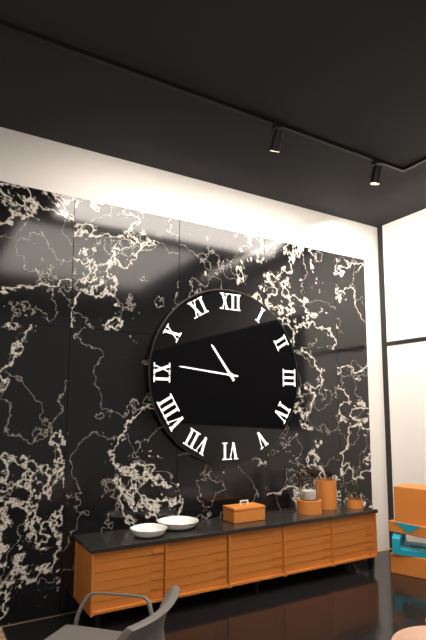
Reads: 10,46
